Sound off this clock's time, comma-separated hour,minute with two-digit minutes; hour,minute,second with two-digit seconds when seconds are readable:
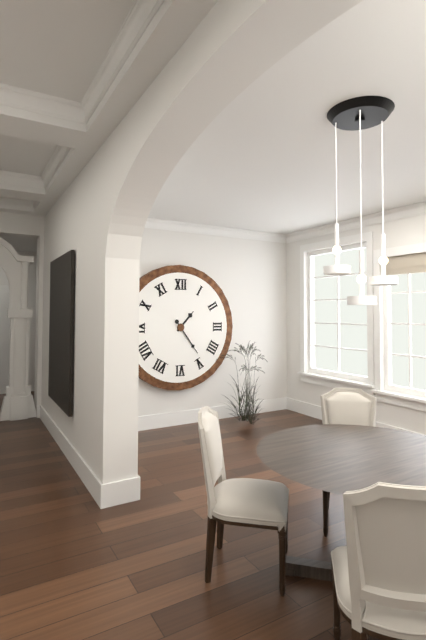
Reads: 1,24
